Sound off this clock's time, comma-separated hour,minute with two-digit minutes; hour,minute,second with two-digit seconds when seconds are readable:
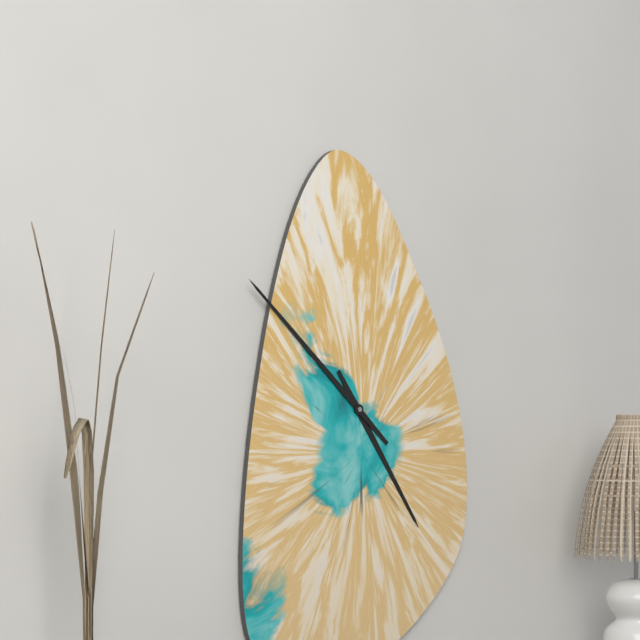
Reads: 4,52
